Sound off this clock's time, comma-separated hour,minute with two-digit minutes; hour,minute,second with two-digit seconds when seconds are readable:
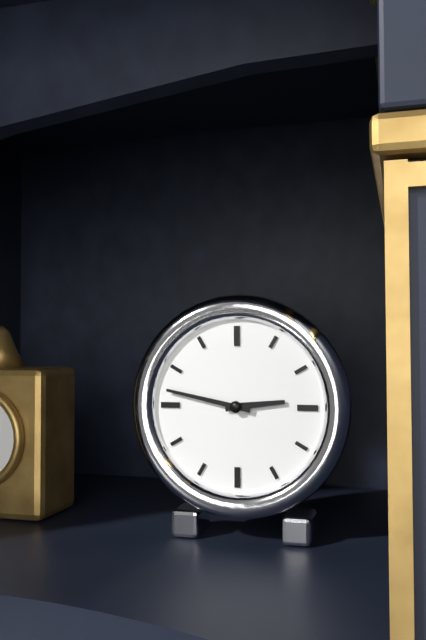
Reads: 2,47
